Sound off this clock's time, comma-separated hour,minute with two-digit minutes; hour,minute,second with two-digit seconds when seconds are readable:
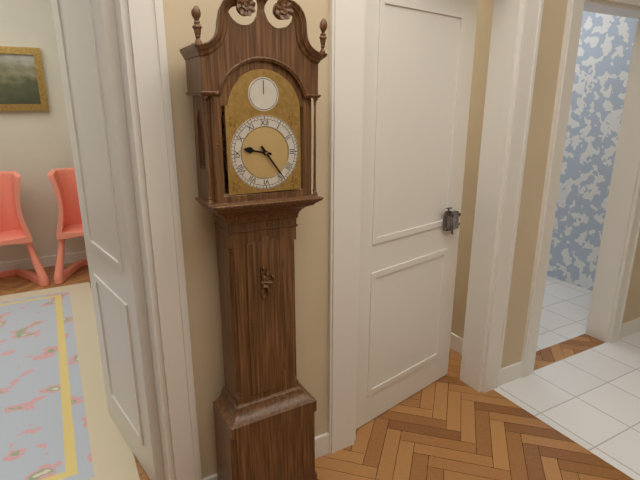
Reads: 9,24
